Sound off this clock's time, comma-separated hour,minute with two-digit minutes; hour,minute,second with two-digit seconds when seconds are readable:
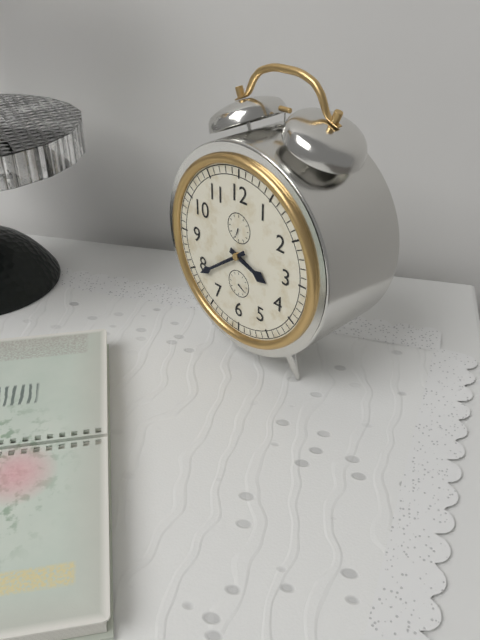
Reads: 3,39
